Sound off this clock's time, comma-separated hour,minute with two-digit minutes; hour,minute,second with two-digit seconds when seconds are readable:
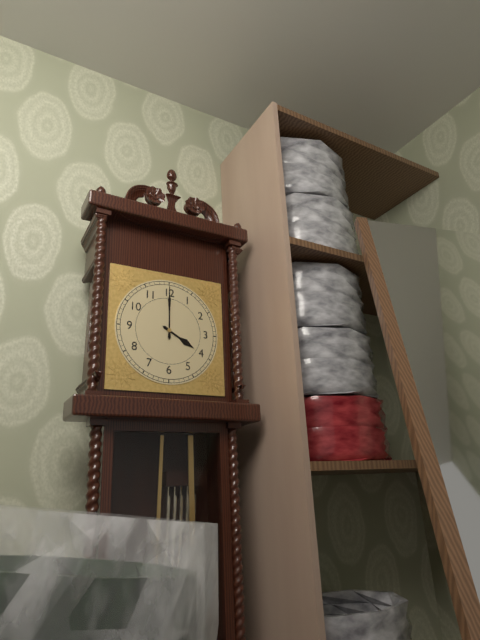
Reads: 4,00
